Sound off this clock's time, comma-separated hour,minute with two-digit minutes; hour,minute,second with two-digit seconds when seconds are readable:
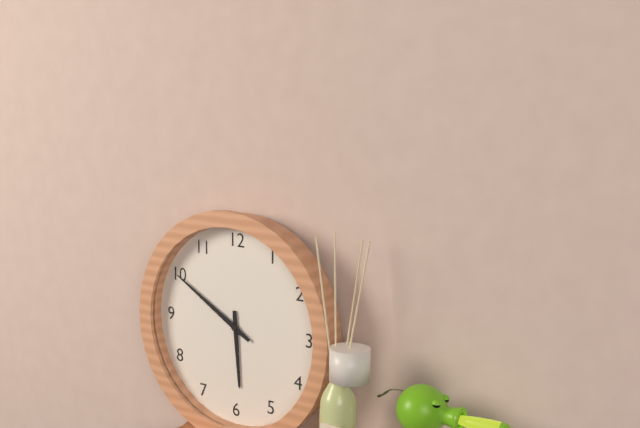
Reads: 5,50
